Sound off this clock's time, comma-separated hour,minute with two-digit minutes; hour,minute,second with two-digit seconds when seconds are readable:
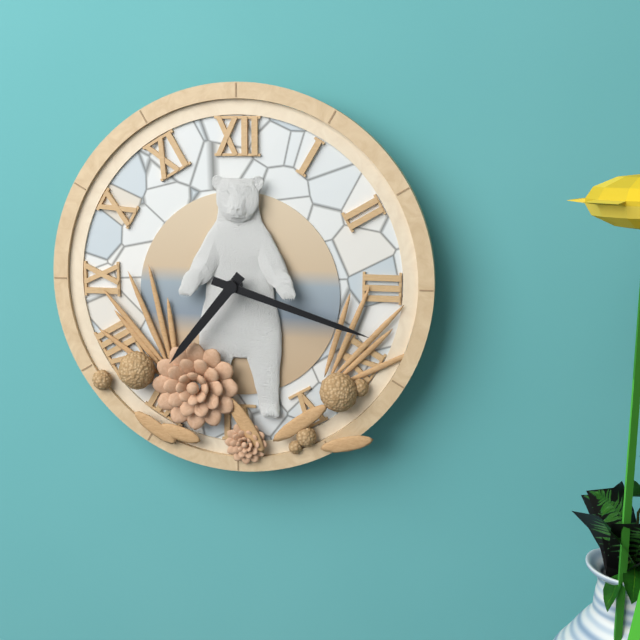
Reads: 7,18
